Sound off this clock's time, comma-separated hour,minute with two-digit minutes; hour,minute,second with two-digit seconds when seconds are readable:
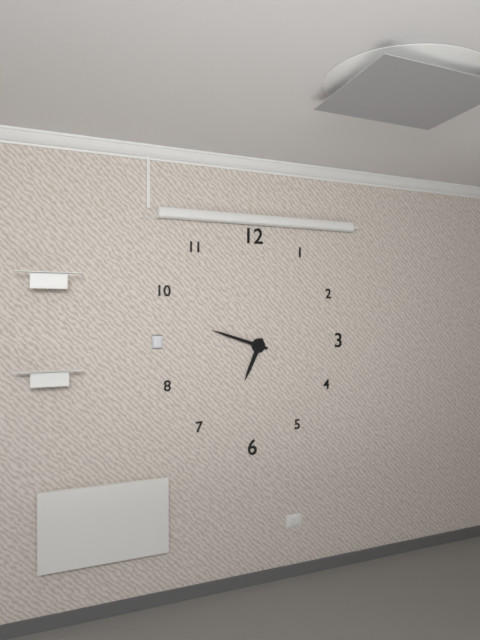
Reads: 6,48
